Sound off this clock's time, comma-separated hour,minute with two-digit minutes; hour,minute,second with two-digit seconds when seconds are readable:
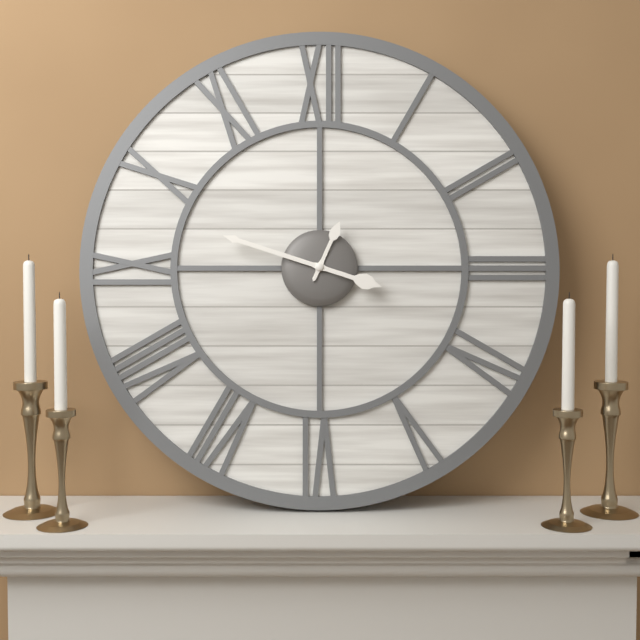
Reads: 12,48
